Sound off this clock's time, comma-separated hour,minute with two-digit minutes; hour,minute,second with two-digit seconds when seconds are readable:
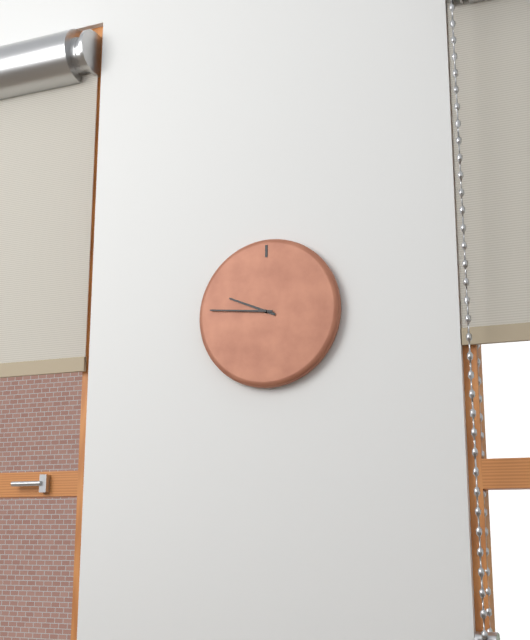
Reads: 9,46
